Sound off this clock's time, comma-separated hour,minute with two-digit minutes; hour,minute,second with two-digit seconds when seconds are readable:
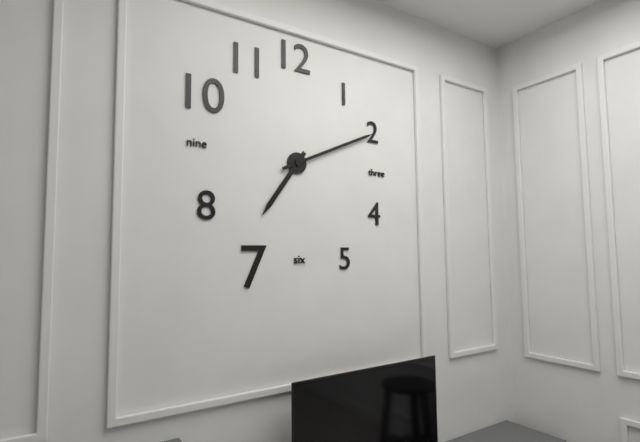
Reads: 7,11
